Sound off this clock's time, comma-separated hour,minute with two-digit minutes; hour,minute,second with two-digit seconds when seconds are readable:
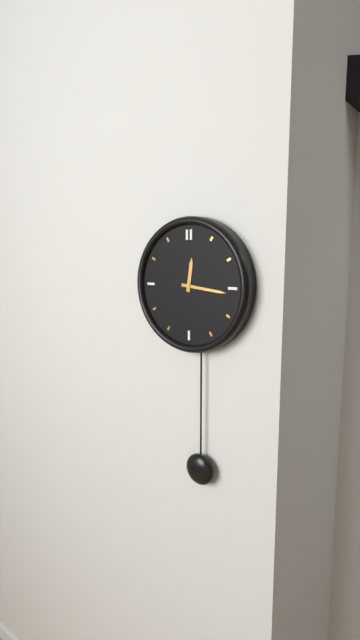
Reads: 12,16
